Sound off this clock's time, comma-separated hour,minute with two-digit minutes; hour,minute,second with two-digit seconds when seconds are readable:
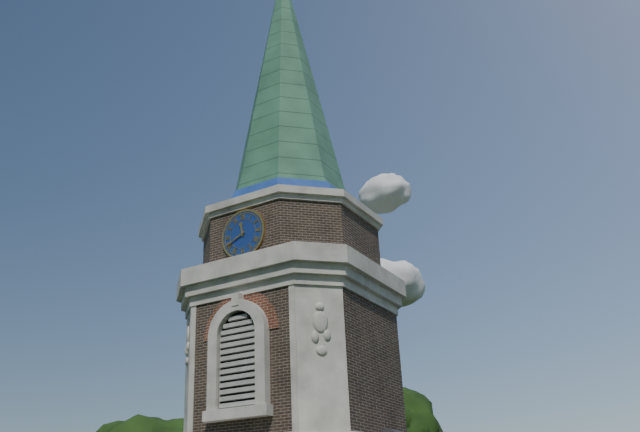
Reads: 11,41
